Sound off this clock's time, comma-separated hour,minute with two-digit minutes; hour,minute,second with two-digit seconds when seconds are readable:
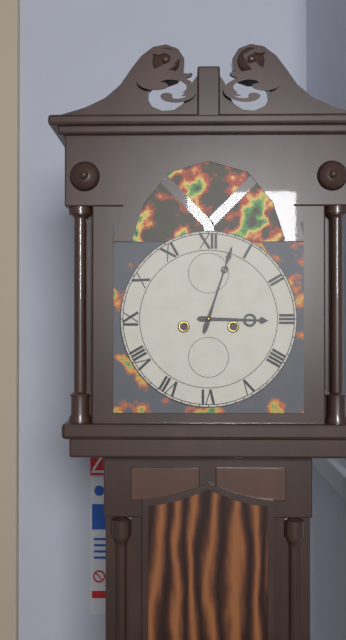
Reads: 3,03
